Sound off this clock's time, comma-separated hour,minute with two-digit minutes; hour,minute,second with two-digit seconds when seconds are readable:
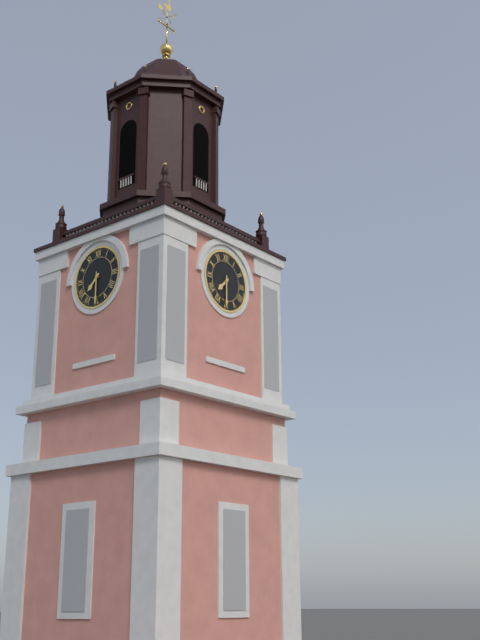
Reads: 7,30
